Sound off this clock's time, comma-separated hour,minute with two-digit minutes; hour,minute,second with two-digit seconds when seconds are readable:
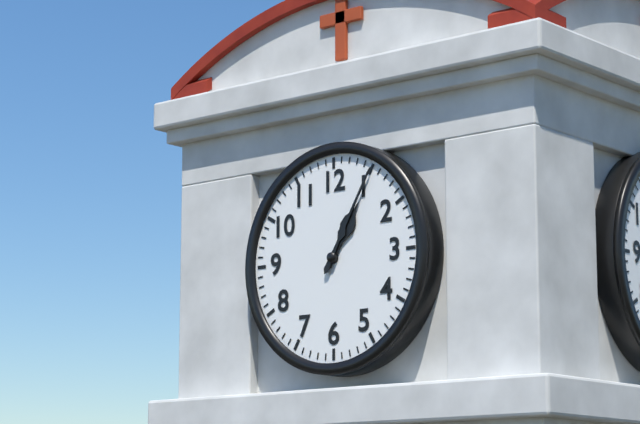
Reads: 1,05
